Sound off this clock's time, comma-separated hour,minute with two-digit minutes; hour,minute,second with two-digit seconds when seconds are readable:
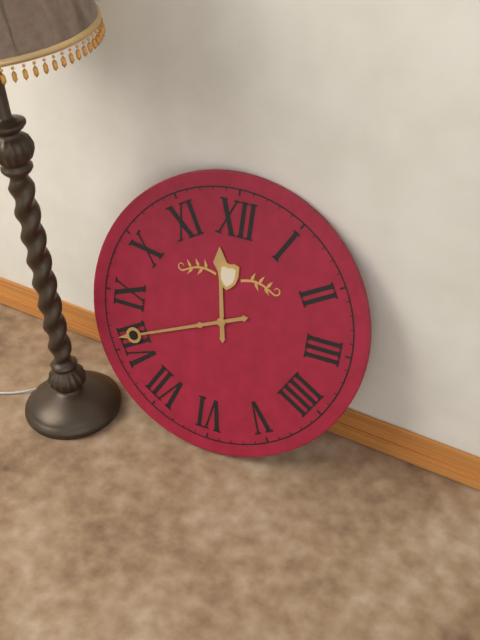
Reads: 11,41
